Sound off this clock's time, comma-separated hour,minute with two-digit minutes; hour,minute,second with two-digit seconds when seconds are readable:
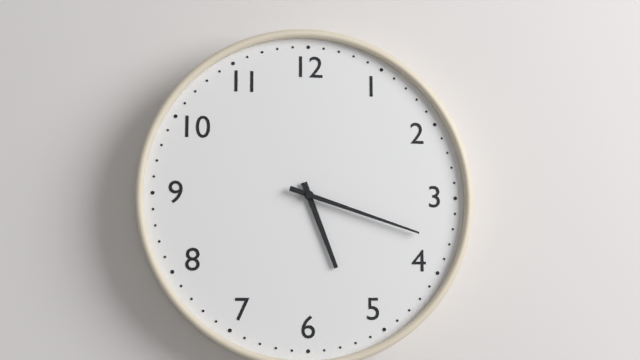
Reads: 5,18
